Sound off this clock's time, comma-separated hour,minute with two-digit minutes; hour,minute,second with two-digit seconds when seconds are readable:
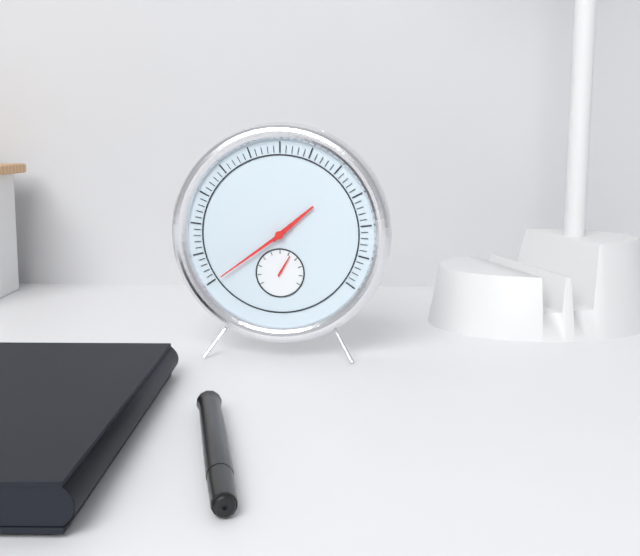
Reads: 1,39
